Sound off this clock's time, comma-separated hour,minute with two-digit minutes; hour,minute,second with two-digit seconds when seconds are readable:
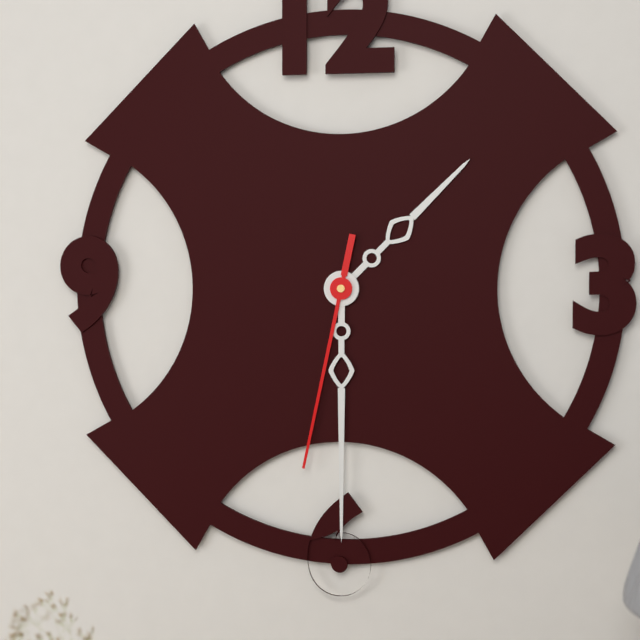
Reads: 1,30,32
